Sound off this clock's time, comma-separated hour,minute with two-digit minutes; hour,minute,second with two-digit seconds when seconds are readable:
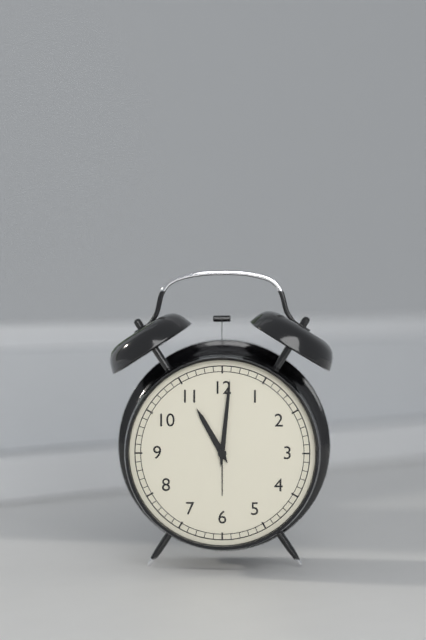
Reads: 11,01
